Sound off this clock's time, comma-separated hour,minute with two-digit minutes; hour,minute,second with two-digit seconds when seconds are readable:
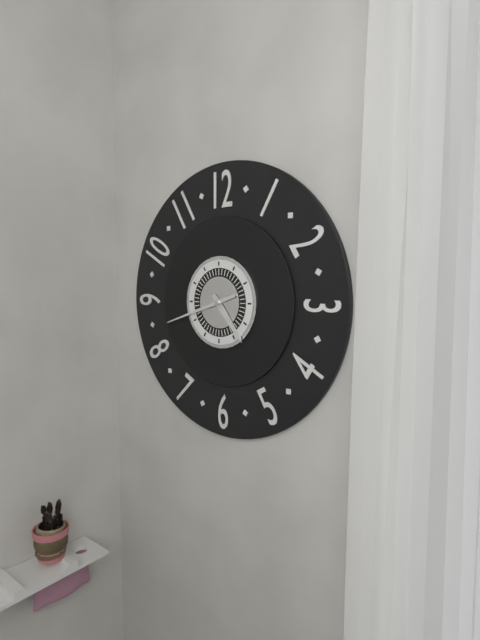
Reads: 4,42
